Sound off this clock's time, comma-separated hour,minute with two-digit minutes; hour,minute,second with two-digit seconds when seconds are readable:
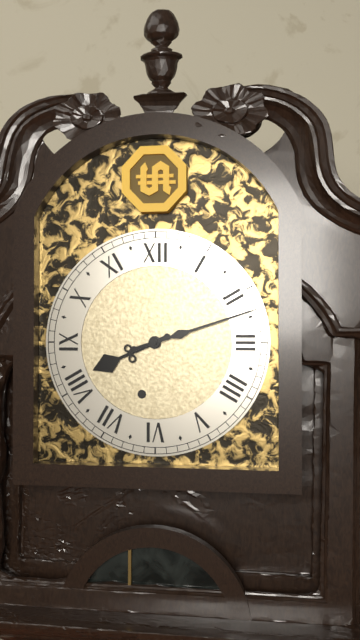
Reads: 8,12
